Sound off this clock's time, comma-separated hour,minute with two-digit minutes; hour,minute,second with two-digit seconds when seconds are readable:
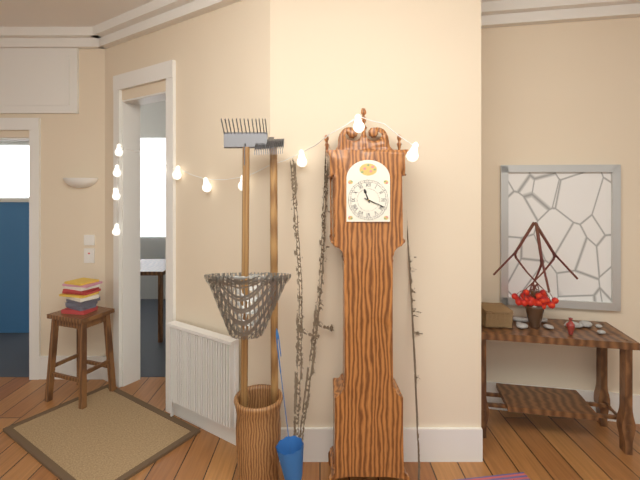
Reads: 11,19
